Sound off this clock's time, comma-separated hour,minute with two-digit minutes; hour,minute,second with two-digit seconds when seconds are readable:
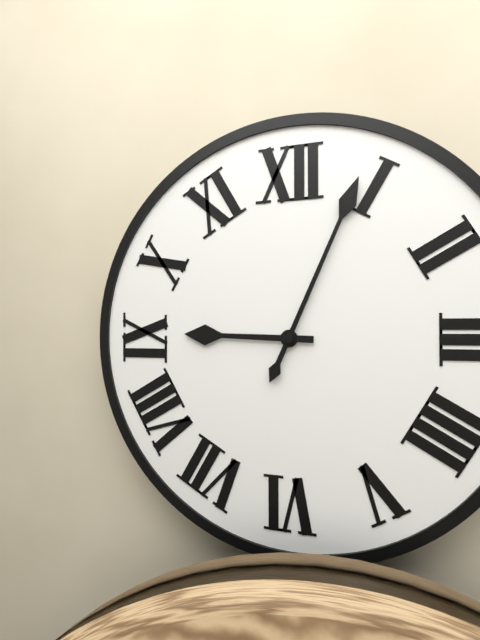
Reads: 9,04
